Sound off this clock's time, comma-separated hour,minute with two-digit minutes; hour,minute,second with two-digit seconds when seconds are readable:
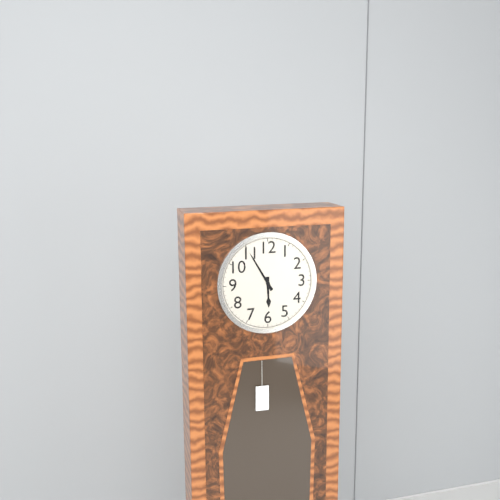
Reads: 5,55
